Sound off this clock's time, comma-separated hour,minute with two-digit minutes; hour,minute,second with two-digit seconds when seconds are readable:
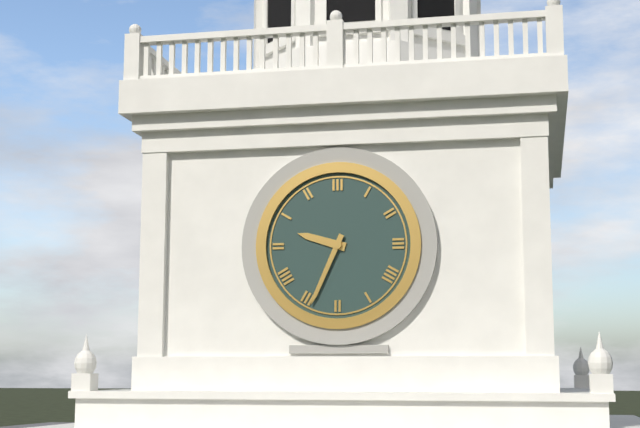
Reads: 9,34
